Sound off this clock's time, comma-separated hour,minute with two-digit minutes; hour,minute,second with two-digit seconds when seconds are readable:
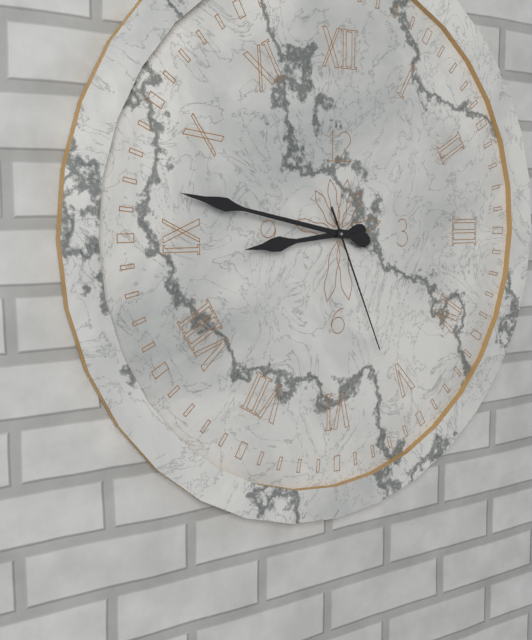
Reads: 8,47,26
